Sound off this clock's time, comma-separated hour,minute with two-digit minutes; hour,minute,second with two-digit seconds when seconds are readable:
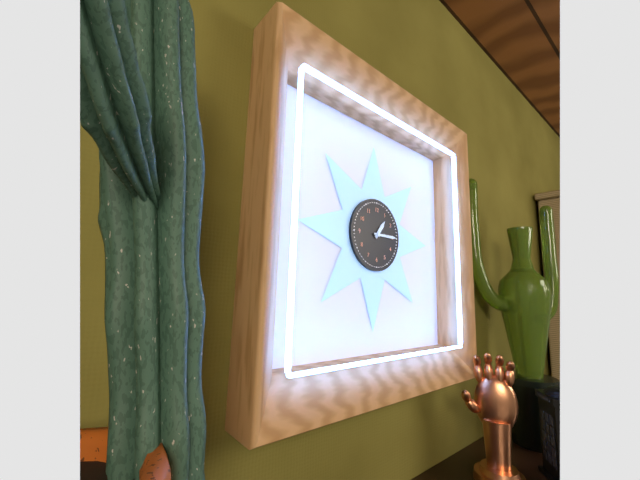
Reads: 1,15
